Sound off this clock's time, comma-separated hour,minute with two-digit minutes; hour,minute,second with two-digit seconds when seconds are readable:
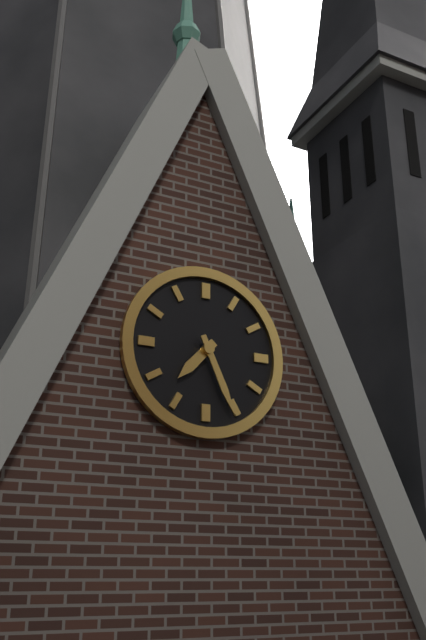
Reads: 7,26
